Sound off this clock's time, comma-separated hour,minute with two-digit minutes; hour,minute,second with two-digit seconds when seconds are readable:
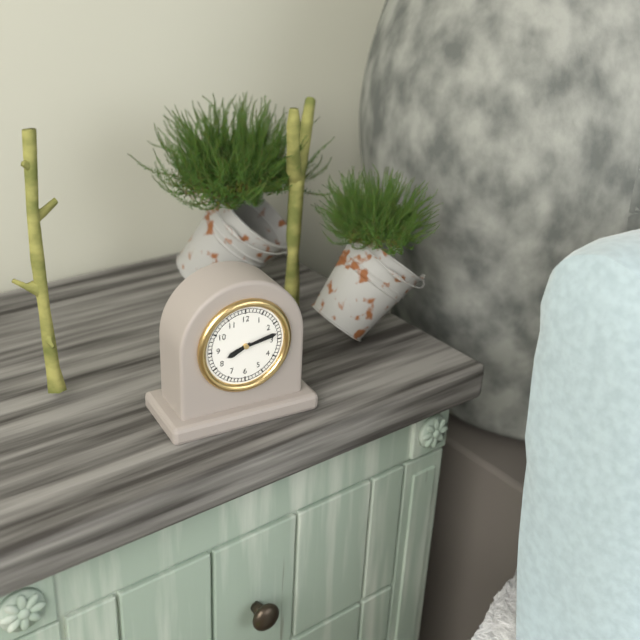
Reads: 8,13
